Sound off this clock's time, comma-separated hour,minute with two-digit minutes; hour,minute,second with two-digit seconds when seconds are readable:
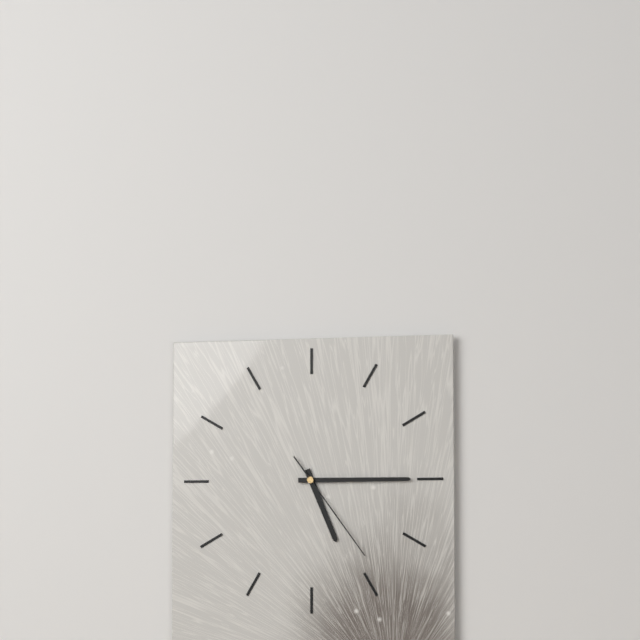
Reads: 5,15,24
